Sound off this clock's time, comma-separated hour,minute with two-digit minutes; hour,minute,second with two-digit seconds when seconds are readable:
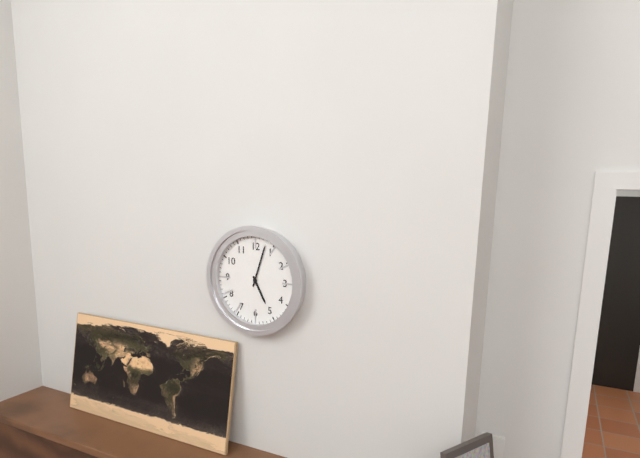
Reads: 5,03
